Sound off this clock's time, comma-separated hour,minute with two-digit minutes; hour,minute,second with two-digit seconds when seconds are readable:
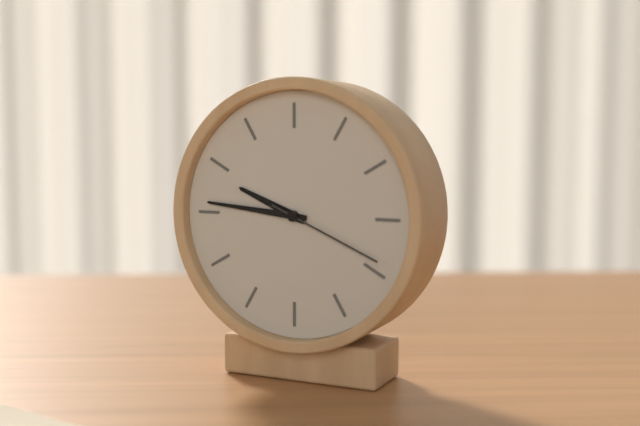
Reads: 9,46,19
